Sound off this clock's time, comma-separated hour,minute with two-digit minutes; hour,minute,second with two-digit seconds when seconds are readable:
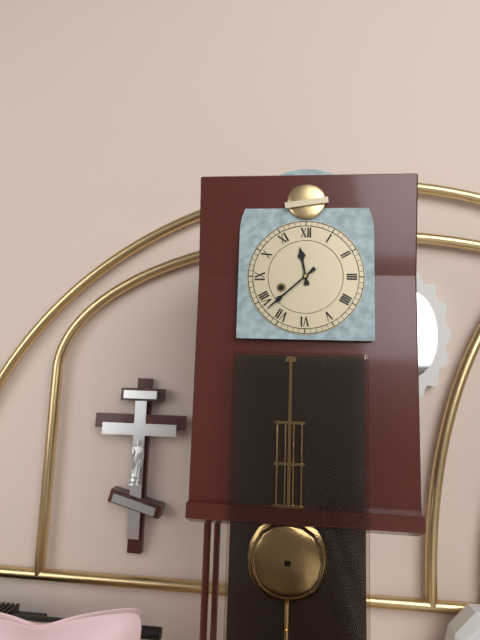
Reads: 11,38
